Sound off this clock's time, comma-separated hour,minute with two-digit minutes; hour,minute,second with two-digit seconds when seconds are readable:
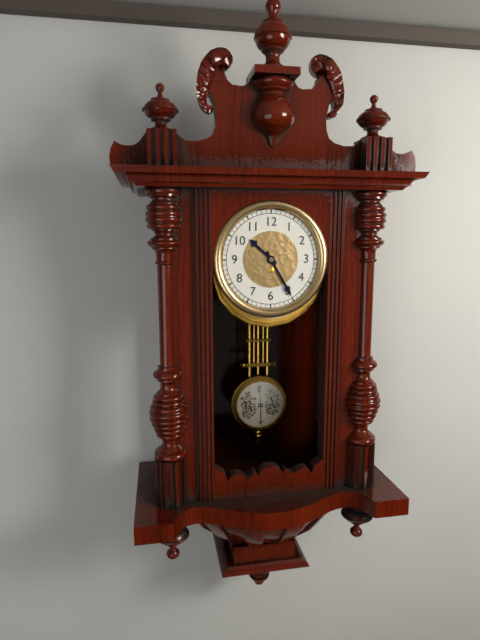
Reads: 10,25
